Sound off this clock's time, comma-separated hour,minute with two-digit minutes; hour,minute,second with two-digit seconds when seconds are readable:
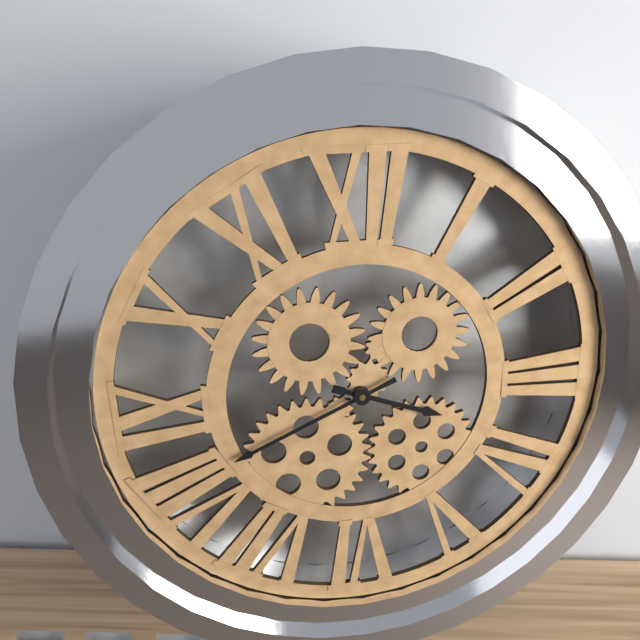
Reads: 3,41
